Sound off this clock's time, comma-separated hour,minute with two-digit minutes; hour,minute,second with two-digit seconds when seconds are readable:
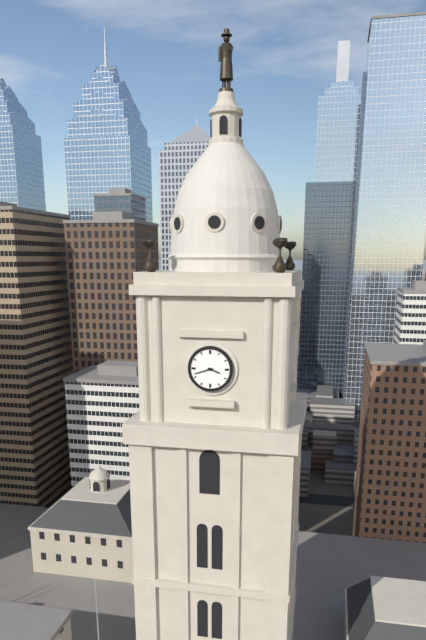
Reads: 3,42
